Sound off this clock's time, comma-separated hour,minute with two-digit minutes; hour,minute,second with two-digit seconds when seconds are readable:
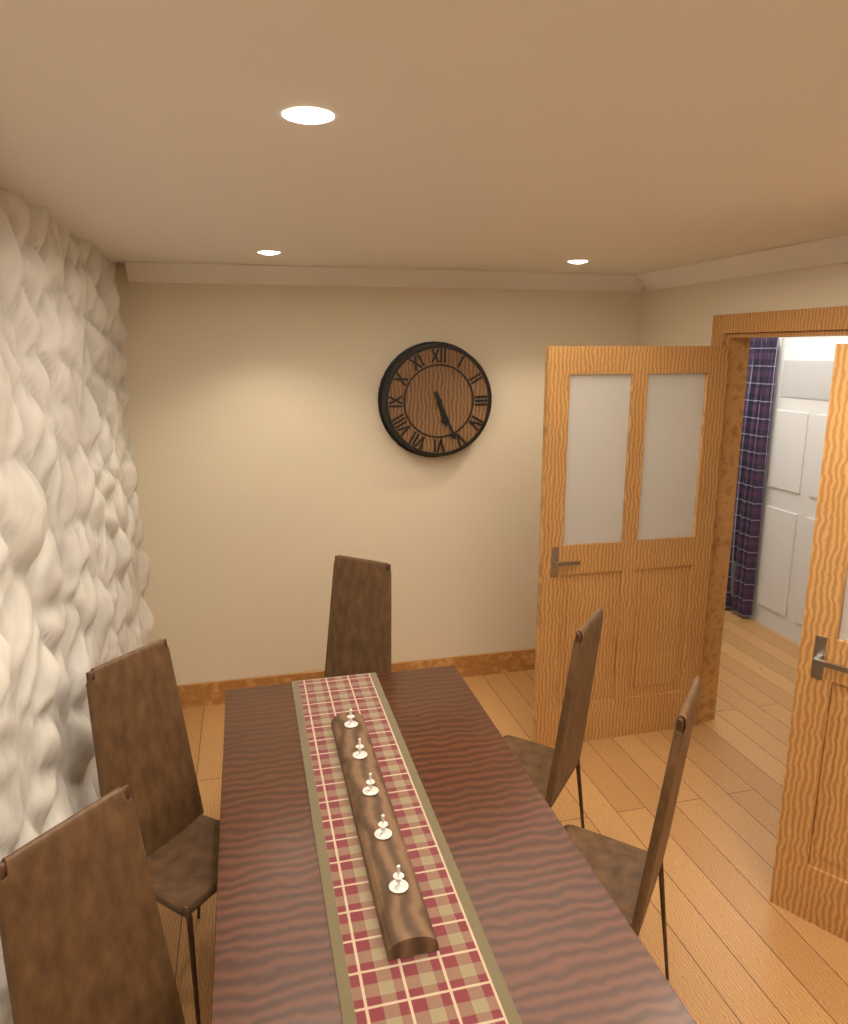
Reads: 5,26
